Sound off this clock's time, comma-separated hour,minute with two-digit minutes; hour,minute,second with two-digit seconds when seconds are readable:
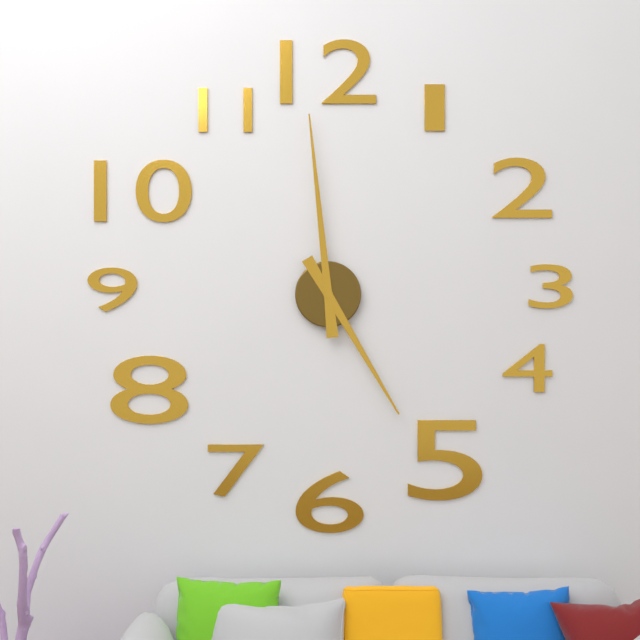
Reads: 4,59
